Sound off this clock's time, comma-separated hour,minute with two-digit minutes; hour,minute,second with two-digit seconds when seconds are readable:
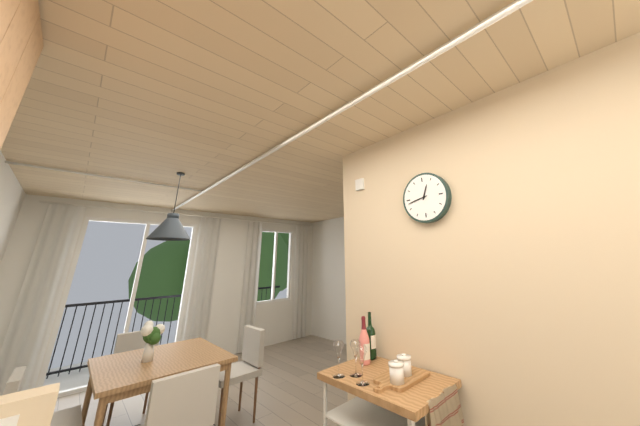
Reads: 12,43
